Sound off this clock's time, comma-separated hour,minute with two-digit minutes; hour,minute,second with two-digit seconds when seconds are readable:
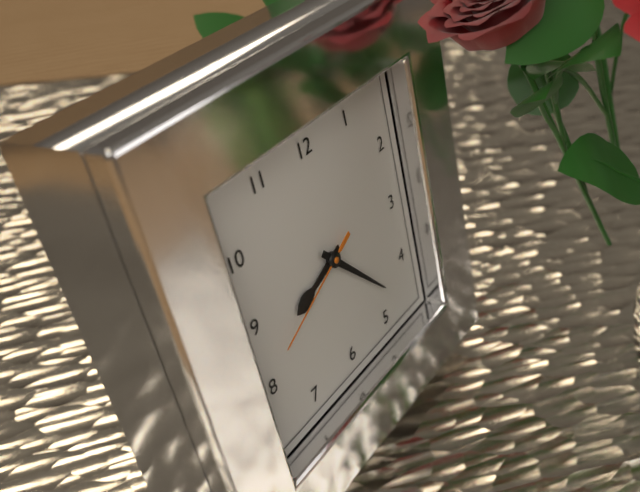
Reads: 8,23,41
